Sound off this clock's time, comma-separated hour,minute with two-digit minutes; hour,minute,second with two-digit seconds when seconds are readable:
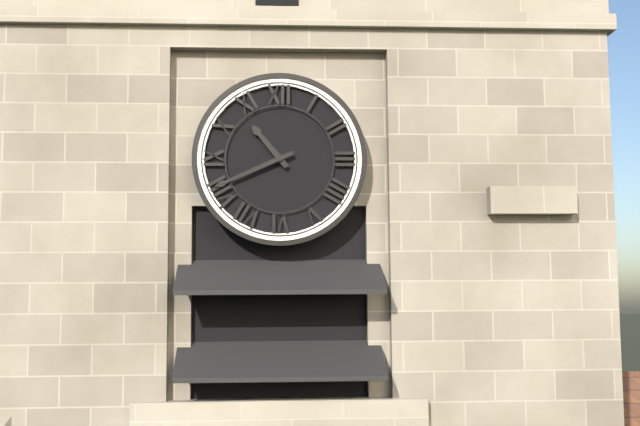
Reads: 10,41
